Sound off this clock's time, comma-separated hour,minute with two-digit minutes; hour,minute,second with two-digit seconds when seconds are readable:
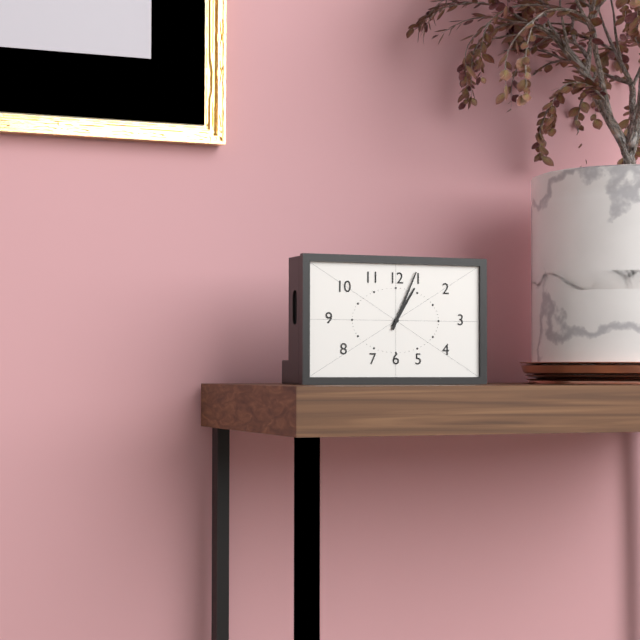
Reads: 1,04
